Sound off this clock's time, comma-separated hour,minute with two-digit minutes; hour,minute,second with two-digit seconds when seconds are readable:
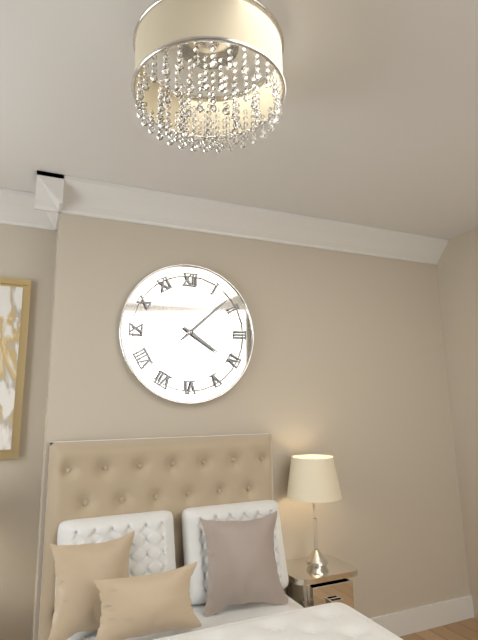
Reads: 4,08
